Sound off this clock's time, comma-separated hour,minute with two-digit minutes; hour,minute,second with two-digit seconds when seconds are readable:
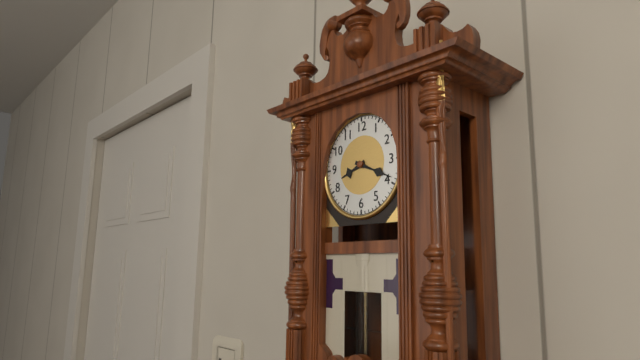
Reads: 8,19
